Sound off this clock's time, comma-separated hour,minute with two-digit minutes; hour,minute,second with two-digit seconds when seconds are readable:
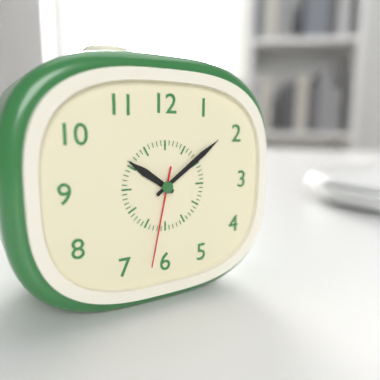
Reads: 10,09,32
